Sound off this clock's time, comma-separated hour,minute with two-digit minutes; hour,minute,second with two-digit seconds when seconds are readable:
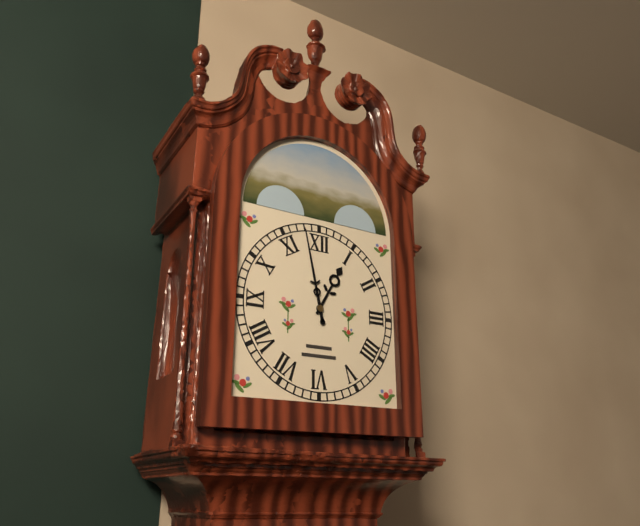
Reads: 12,58
